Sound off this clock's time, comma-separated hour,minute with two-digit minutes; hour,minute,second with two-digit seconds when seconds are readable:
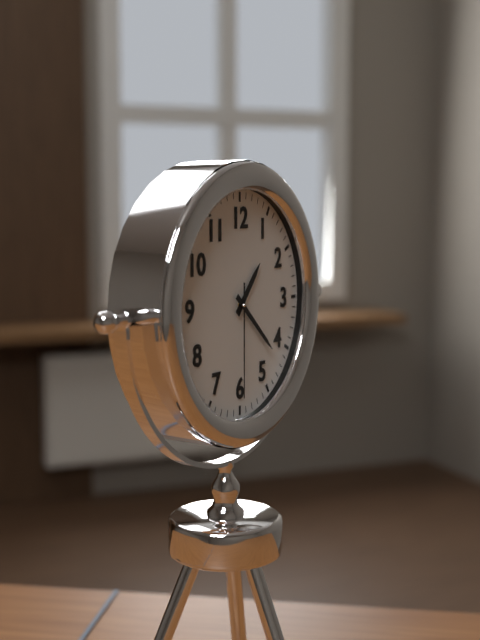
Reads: 1,22,30
